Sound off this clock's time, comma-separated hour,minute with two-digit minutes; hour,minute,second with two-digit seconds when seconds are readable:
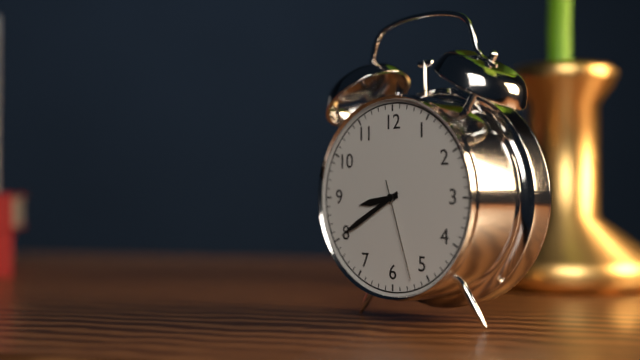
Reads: 8,40,27
